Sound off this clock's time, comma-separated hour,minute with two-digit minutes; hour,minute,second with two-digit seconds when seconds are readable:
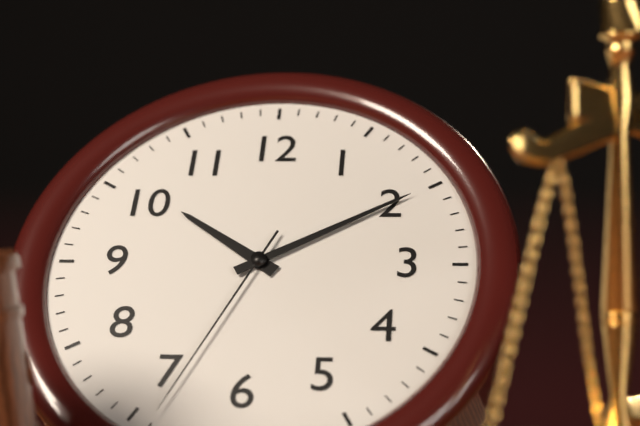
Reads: 10,10,34
